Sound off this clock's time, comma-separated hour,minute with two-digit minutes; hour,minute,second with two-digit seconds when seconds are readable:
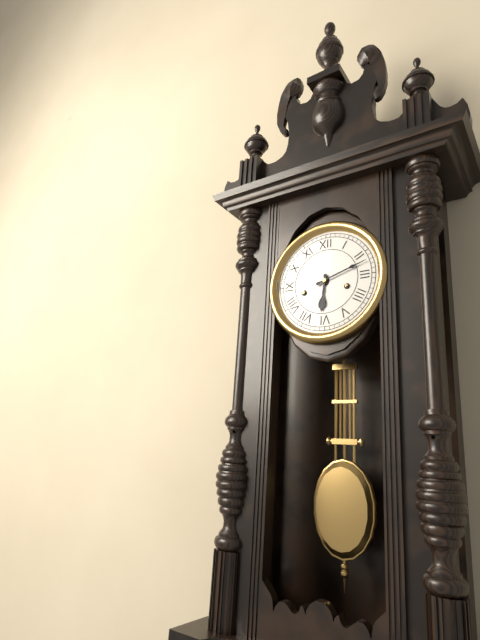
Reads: 6,12
